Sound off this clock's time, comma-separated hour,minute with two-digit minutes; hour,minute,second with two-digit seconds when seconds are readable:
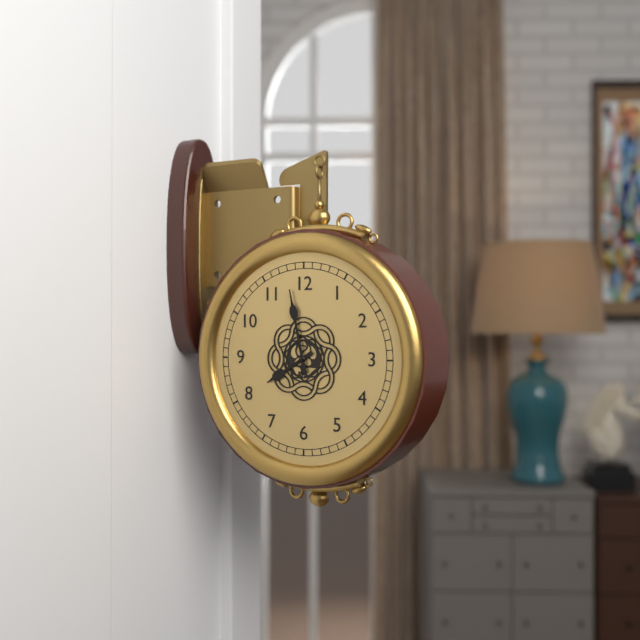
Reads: 7,58
